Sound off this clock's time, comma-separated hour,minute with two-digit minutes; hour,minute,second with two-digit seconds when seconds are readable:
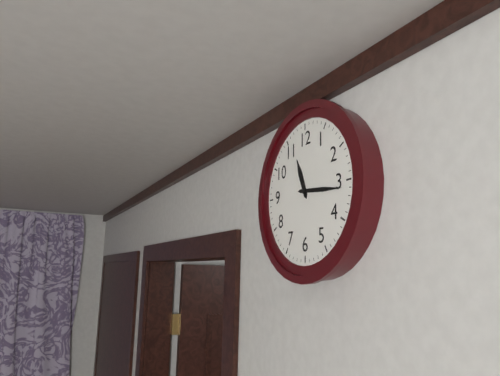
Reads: 11,16
